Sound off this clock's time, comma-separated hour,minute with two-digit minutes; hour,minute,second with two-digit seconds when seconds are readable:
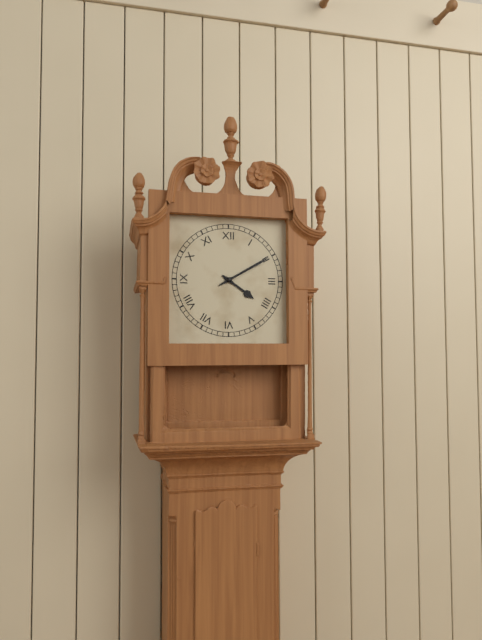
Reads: 4,10
